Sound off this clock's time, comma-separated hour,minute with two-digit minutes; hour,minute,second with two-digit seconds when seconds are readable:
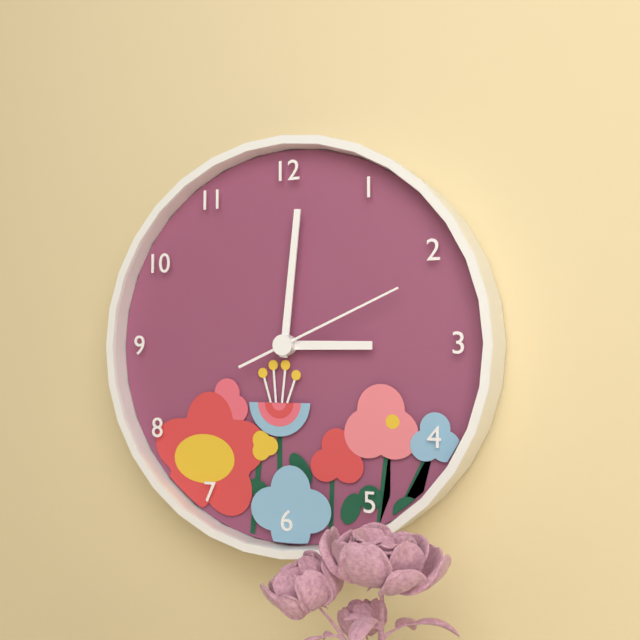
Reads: 3,01,11
